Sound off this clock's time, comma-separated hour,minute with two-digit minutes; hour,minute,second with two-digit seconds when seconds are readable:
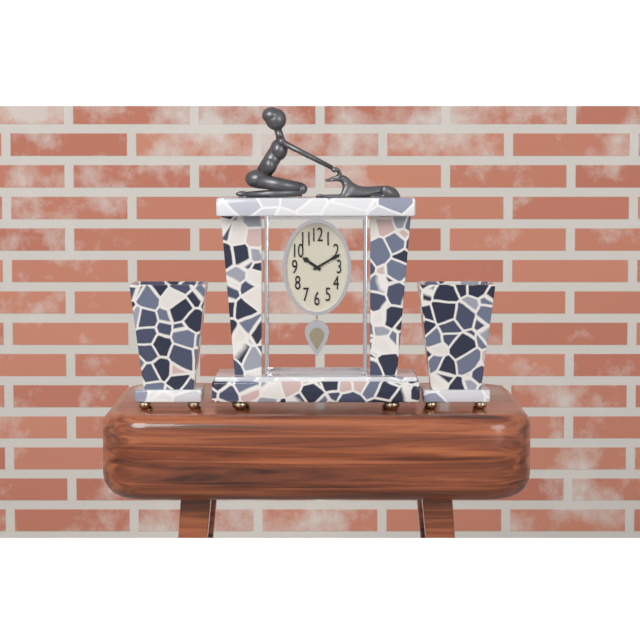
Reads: 10,10
